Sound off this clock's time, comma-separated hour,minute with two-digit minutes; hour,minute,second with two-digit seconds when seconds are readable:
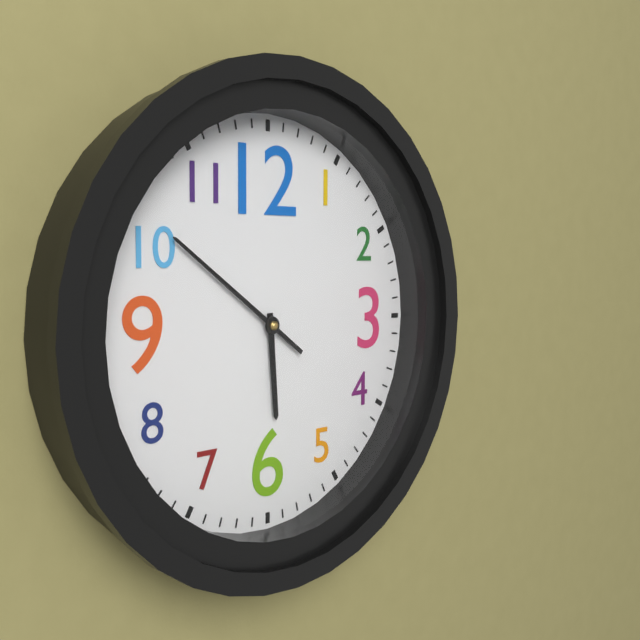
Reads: 5,51
